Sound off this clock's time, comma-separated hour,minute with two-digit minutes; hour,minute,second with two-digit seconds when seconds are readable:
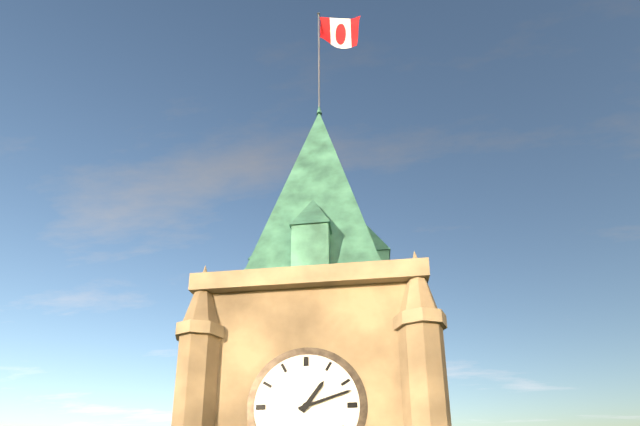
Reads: 1,12
